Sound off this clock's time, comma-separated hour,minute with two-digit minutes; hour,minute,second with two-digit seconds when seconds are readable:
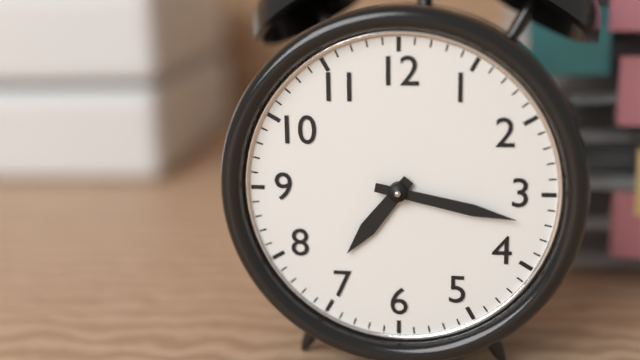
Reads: 7,17
